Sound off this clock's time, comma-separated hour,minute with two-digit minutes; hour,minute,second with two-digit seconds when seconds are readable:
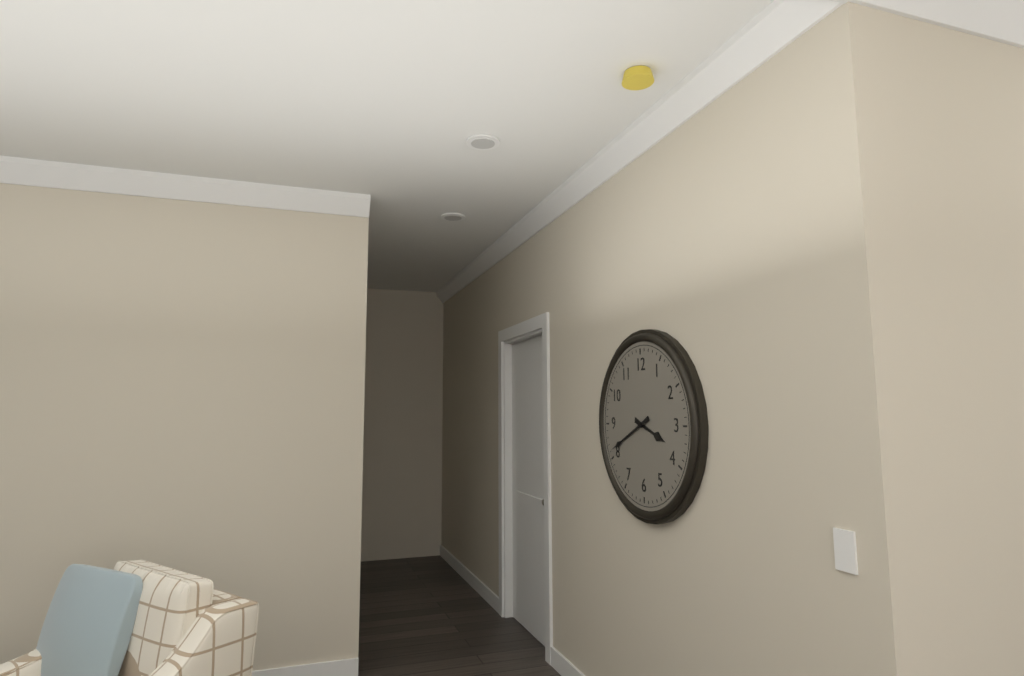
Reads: 3,41
